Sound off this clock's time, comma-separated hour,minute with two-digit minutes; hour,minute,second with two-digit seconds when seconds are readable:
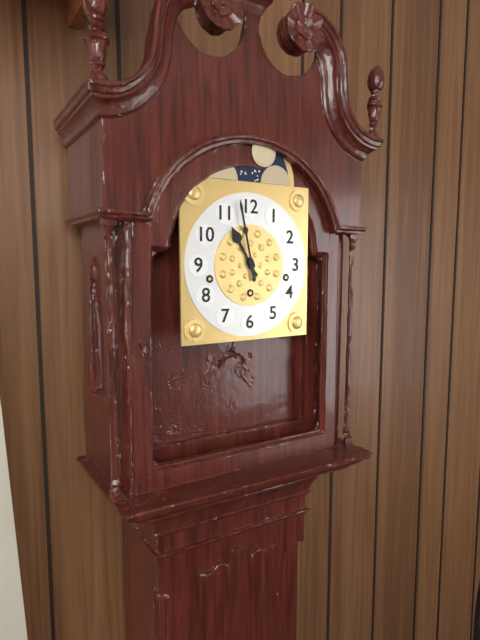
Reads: 10,58
